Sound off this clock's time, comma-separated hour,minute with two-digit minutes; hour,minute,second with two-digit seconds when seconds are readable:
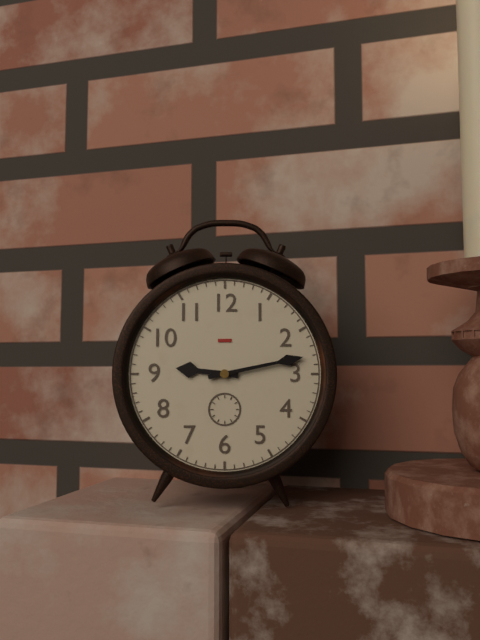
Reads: 9,13
